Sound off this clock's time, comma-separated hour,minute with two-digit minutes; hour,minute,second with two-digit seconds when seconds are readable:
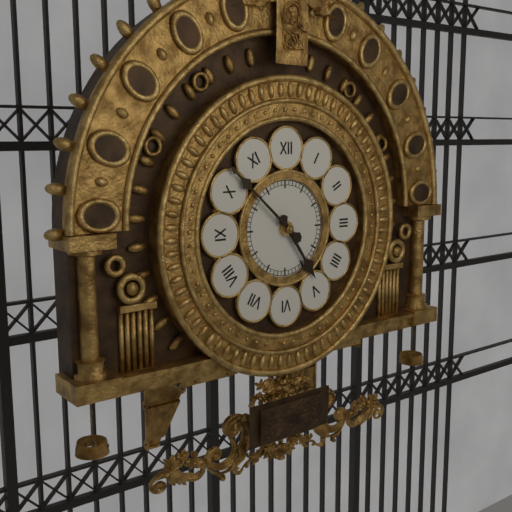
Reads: 4,52
